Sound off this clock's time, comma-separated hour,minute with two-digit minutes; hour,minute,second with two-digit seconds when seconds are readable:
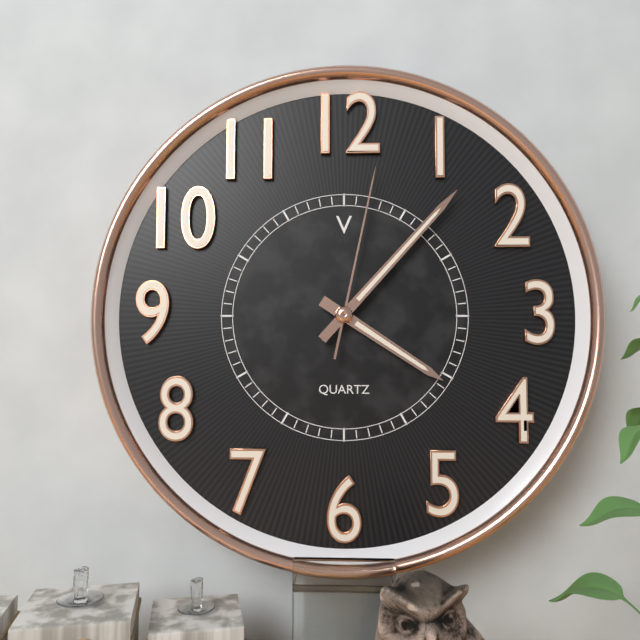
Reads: 4,07,02
